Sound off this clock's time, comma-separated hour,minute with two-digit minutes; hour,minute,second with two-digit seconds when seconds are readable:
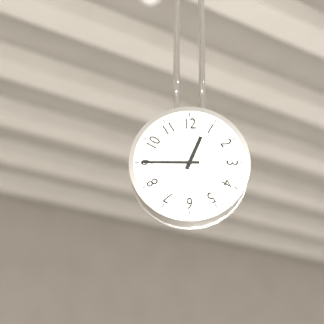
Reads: 12,45
